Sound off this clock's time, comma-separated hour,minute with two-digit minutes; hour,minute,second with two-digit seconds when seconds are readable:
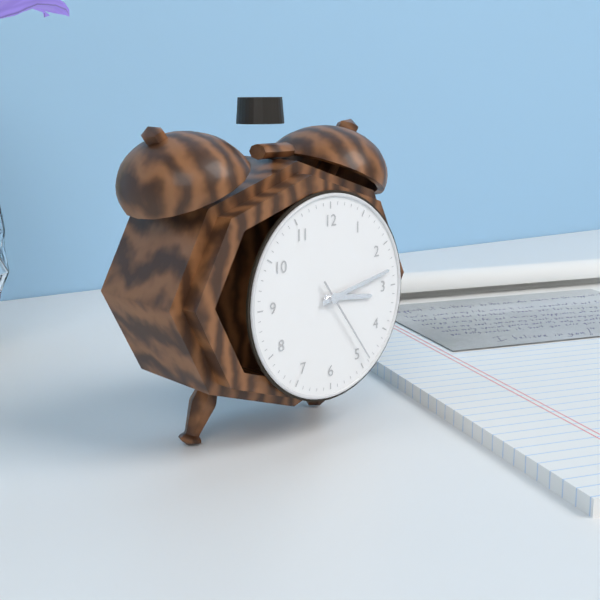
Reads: 3,13,24
